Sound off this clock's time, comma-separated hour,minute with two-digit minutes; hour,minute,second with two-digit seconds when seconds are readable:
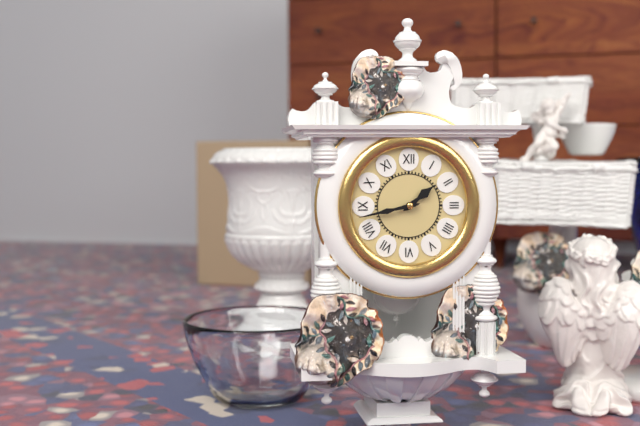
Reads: 1,43
